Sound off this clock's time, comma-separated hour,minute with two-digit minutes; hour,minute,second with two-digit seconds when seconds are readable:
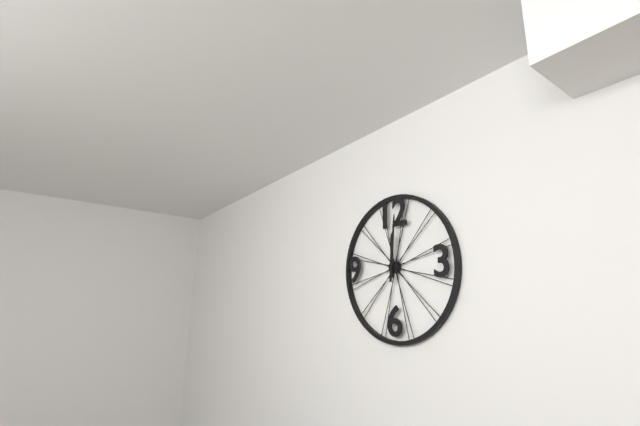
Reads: 12,01
